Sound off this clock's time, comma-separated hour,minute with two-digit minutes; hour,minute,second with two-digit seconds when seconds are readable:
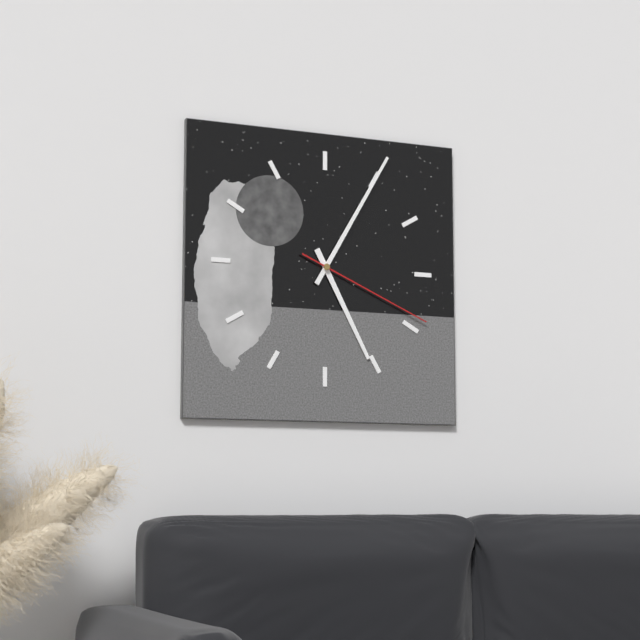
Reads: 5,05,19
